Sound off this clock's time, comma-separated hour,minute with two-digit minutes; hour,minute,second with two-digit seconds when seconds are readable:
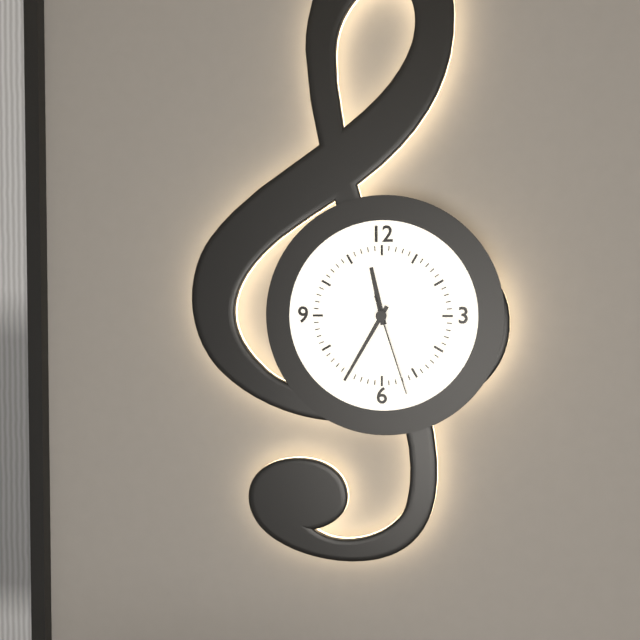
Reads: 11,35,27
